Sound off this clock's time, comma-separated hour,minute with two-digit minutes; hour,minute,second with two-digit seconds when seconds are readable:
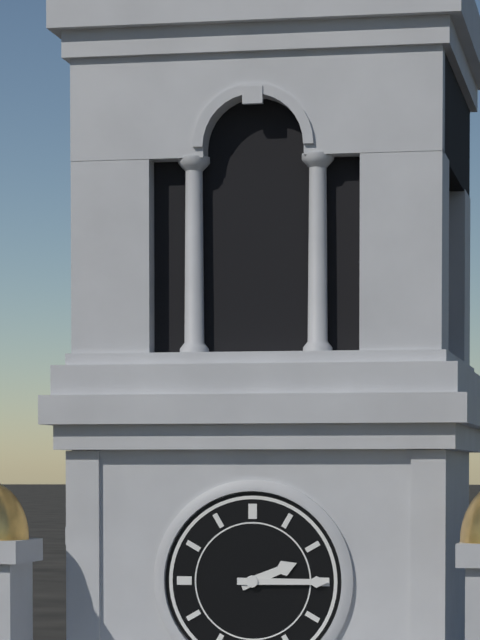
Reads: 2,15
